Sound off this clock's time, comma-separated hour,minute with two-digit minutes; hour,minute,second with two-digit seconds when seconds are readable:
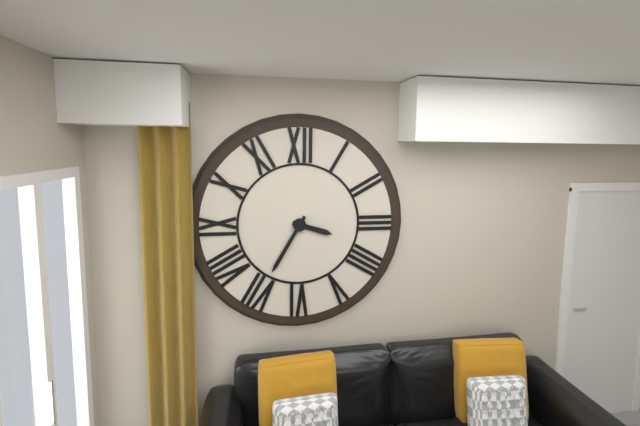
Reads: 3,35
